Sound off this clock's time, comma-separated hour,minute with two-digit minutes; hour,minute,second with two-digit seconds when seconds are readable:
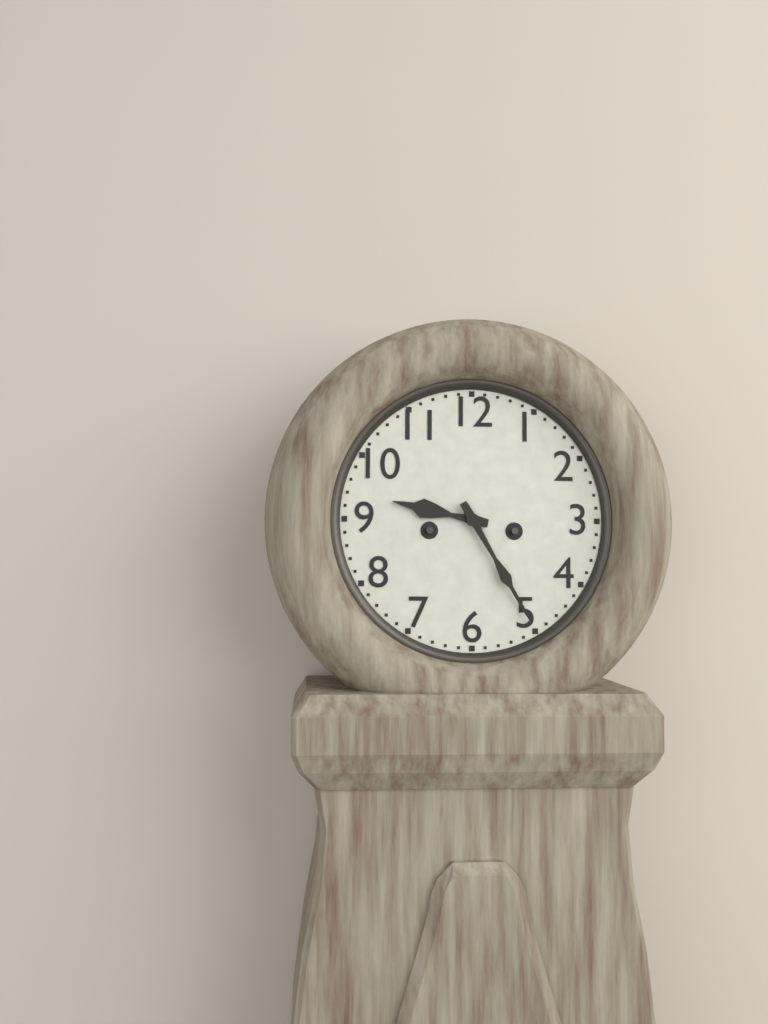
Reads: 9,25
